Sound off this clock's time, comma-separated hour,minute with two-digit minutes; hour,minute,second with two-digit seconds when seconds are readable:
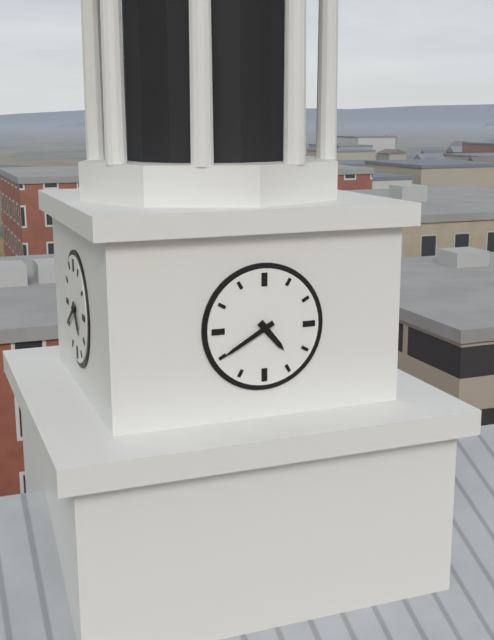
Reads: 4,40
